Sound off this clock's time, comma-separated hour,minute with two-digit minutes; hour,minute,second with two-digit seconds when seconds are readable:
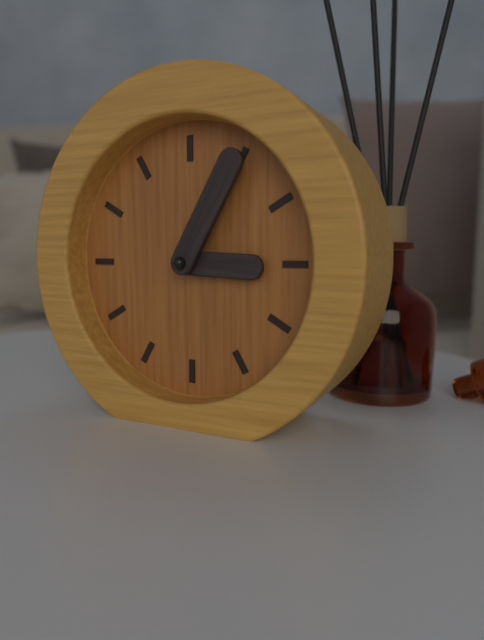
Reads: 3,05
